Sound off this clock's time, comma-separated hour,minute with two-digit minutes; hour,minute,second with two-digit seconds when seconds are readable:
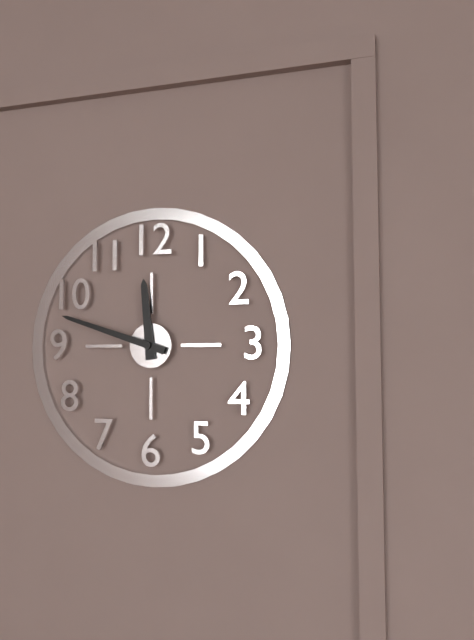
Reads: 11,48
